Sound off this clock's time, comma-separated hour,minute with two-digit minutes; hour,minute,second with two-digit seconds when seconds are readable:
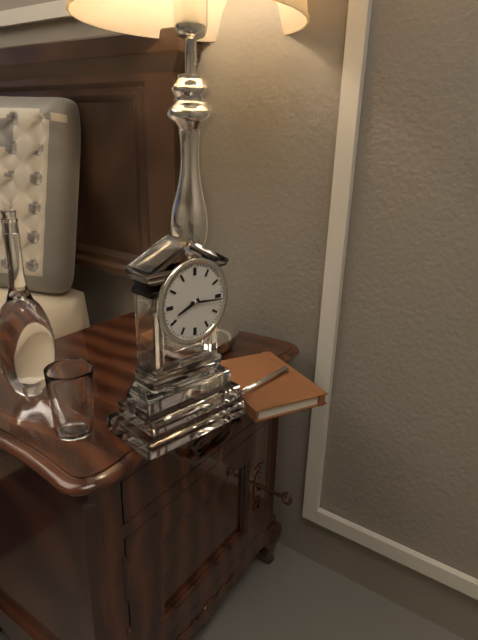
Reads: 8,16
